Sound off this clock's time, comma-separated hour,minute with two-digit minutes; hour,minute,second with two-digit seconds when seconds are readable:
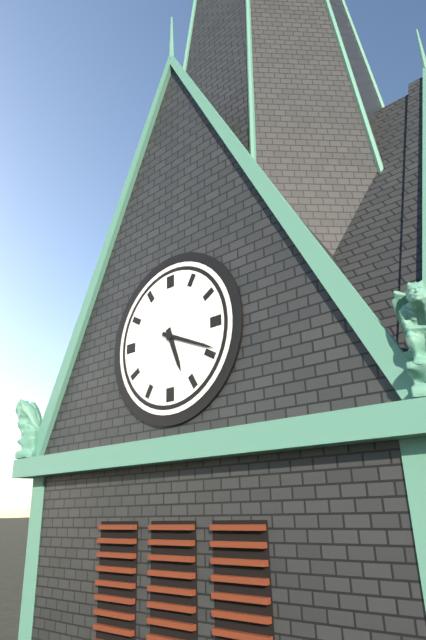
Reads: 5,19
